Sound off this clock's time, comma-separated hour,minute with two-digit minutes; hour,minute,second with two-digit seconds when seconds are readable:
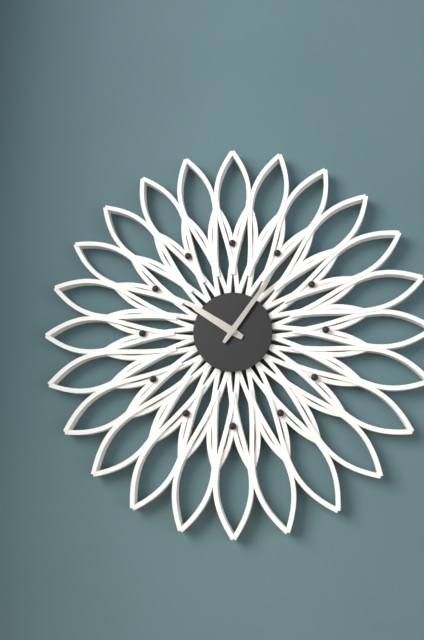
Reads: 10,06
